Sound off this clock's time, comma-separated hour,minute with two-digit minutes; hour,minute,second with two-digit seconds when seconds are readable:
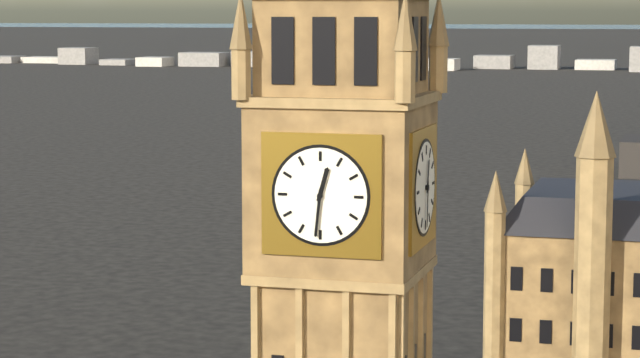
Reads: 12,31
